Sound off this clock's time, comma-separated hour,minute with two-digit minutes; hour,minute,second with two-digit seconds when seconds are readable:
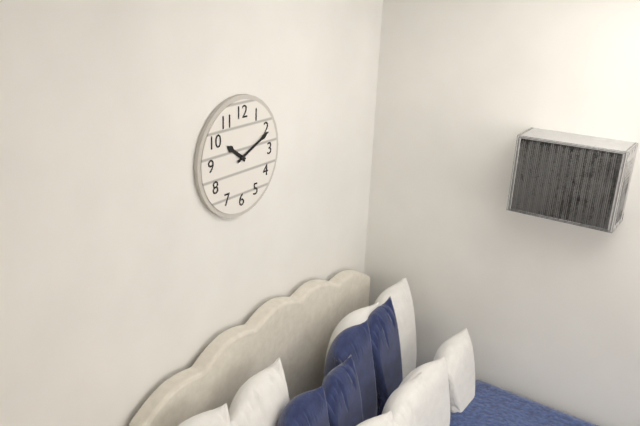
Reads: 10,11
